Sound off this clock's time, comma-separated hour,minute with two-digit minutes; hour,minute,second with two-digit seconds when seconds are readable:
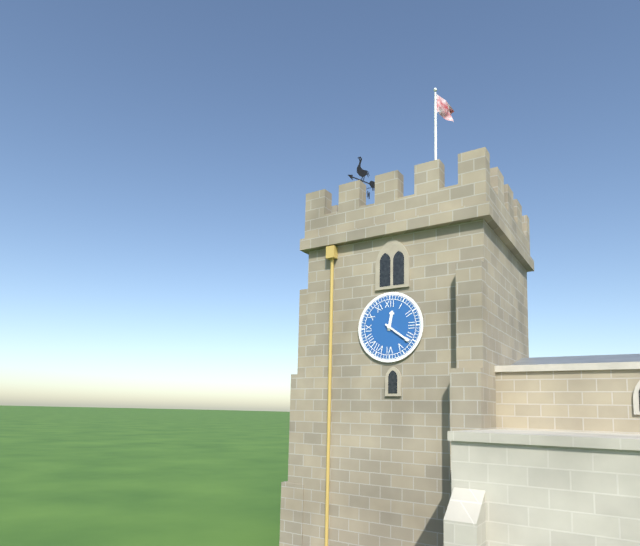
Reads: 12,21
